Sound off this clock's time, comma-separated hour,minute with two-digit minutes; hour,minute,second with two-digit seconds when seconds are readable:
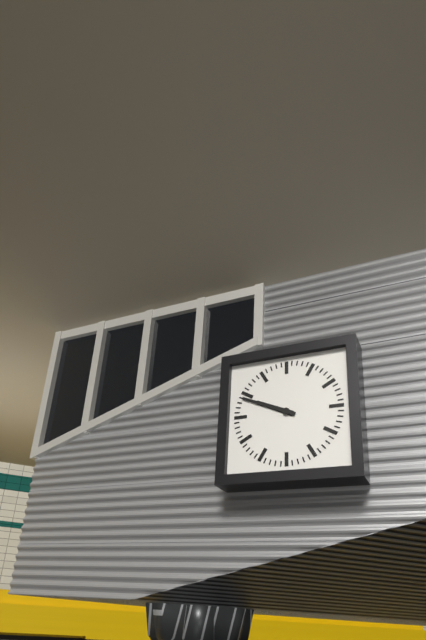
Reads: 9,49
